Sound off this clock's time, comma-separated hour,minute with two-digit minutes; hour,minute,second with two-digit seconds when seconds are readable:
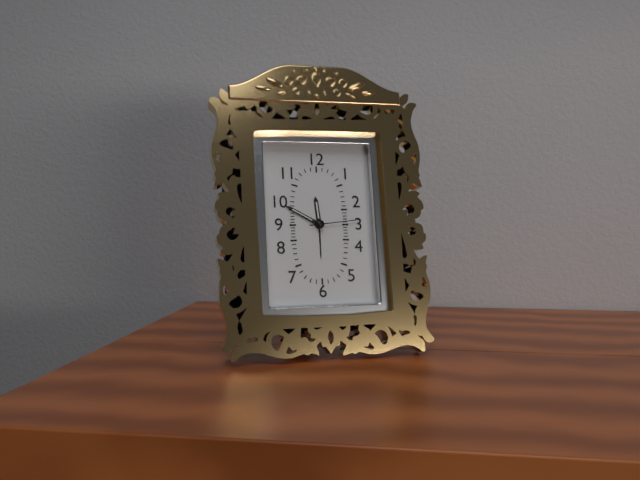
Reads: 11,50,14
